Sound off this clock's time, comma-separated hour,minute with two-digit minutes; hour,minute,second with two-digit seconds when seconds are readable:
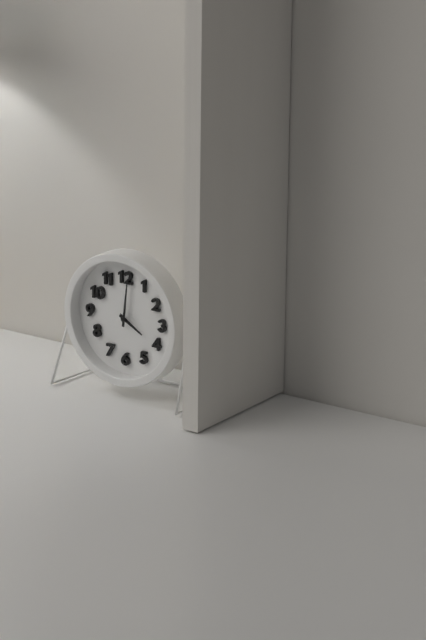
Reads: 4,01
